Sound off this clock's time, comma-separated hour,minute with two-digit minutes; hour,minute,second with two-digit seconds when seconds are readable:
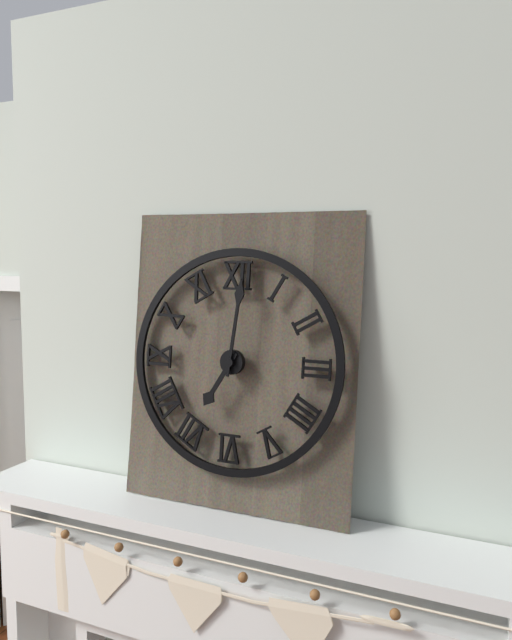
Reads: 7,01
